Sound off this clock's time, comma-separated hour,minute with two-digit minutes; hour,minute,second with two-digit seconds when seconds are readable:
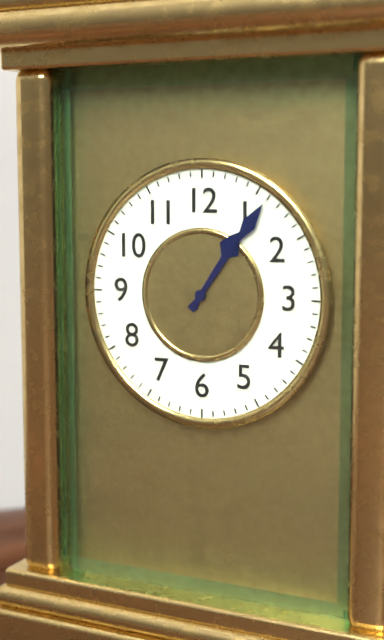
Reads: 1,06
